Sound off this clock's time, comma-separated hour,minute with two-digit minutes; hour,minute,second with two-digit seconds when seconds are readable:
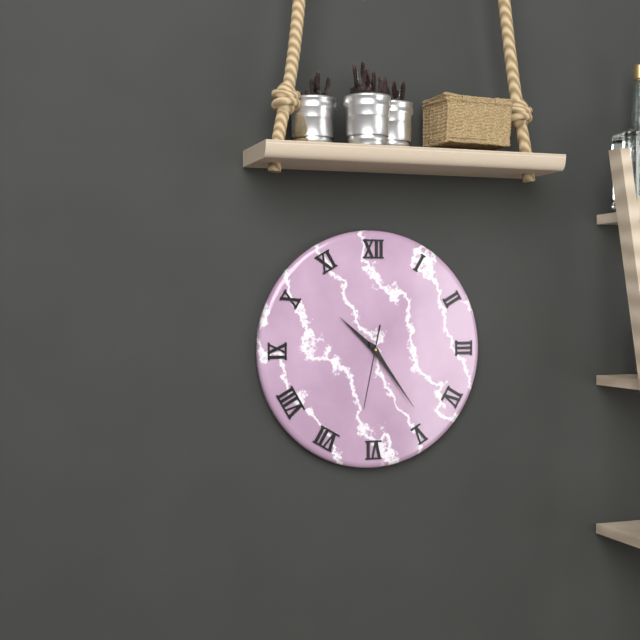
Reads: 10,24,32
